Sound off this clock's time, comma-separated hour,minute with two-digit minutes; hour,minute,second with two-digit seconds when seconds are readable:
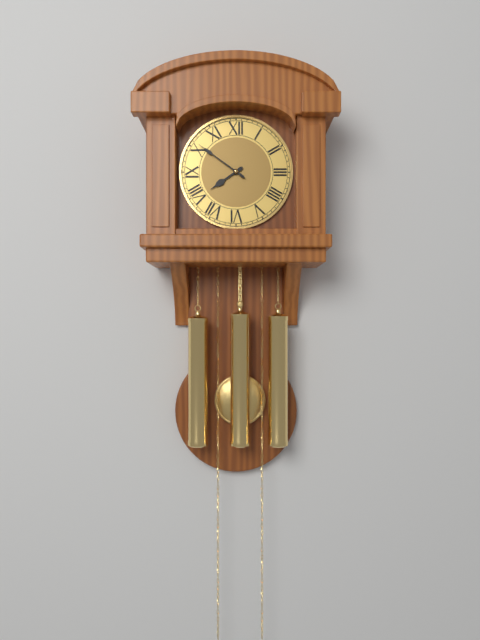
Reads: 7,51
